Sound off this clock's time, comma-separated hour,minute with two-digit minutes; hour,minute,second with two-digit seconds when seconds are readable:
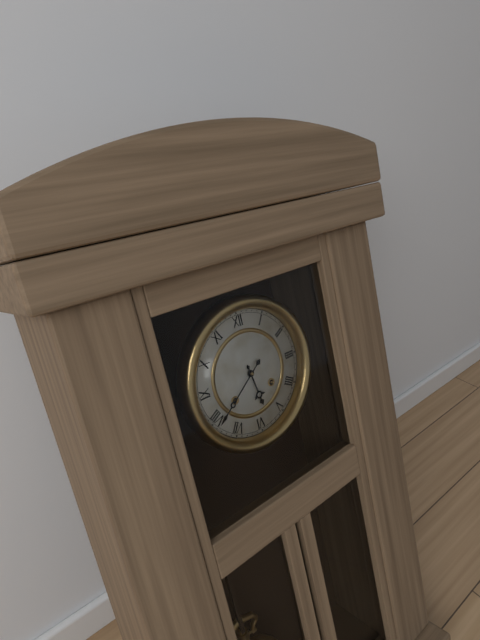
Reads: 5,39
